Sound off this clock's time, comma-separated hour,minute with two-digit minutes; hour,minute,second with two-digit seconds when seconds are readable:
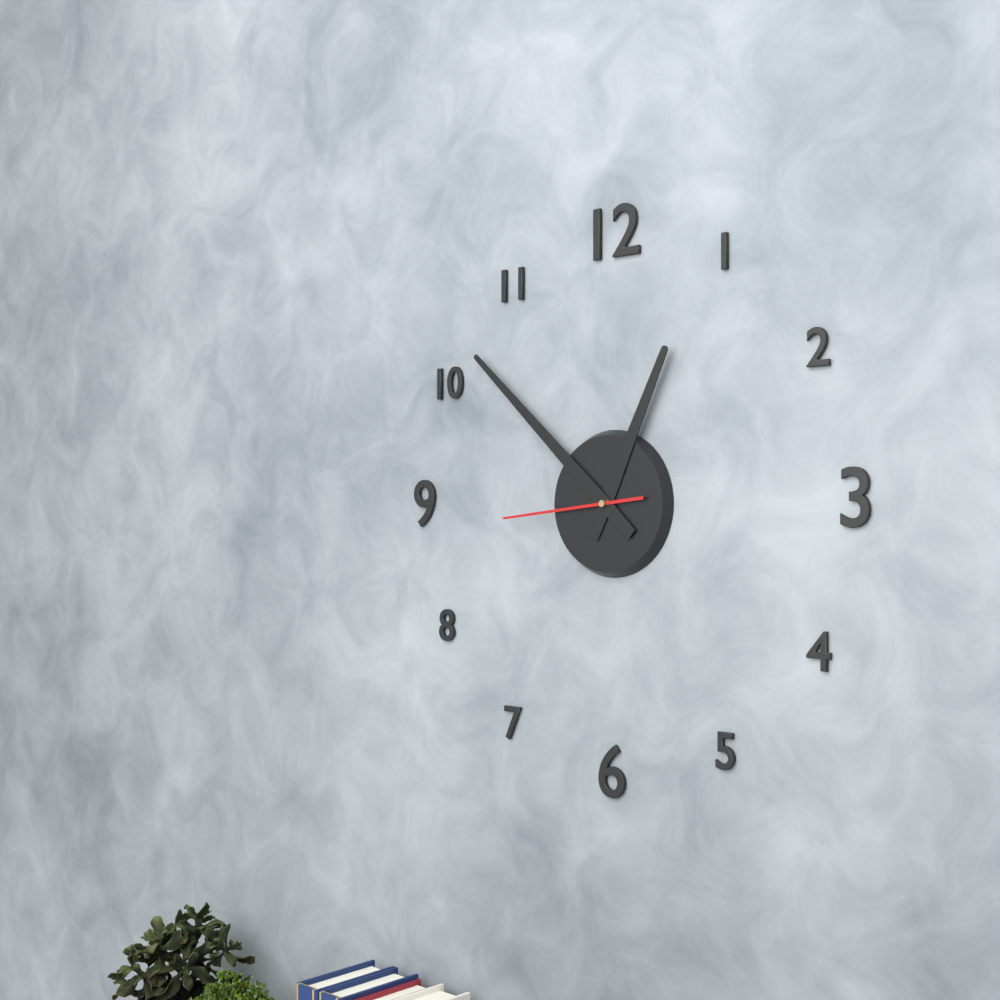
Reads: 12,52,44
